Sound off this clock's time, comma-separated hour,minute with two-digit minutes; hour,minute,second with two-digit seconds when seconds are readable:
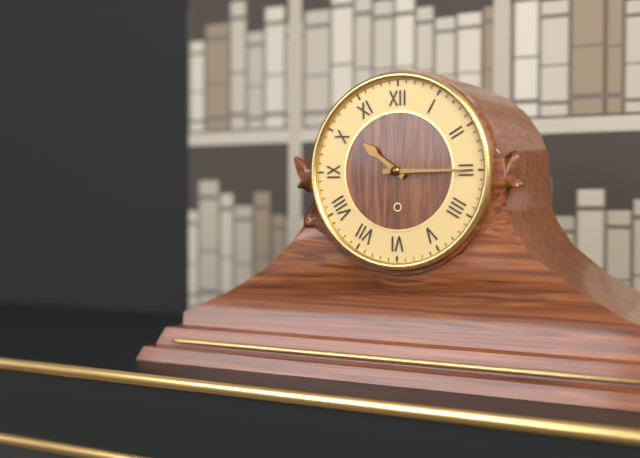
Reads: 10,15
